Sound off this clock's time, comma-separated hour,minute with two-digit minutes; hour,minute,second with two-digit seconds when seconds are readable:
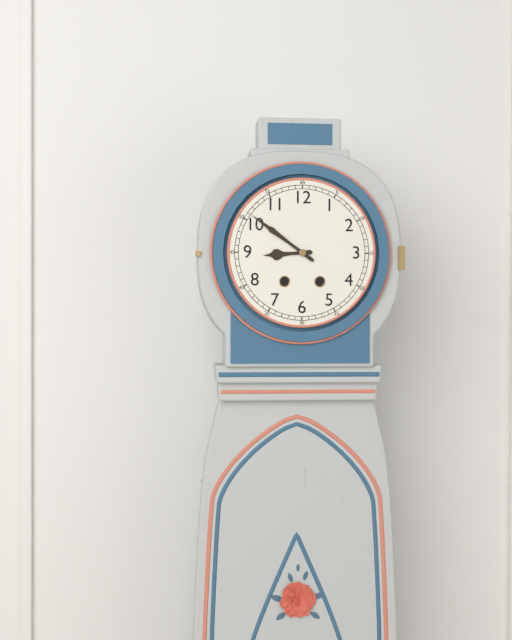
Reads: 8,51
